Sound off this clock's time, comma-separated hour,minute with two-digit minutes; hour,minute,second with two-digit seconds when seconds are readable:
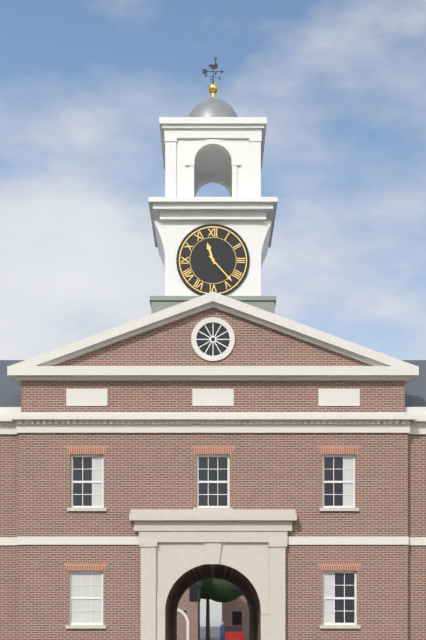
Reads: 11,23
